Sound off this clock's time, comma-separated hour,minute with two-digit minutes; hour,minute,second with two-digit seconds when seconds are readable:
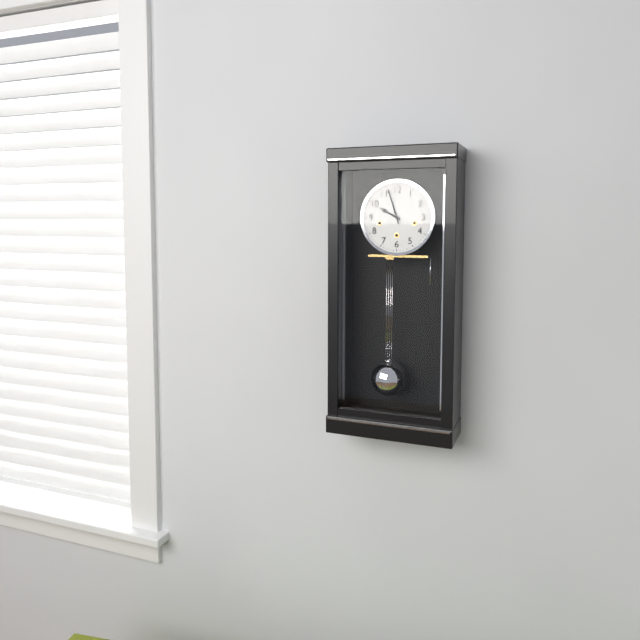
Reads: 9,57
